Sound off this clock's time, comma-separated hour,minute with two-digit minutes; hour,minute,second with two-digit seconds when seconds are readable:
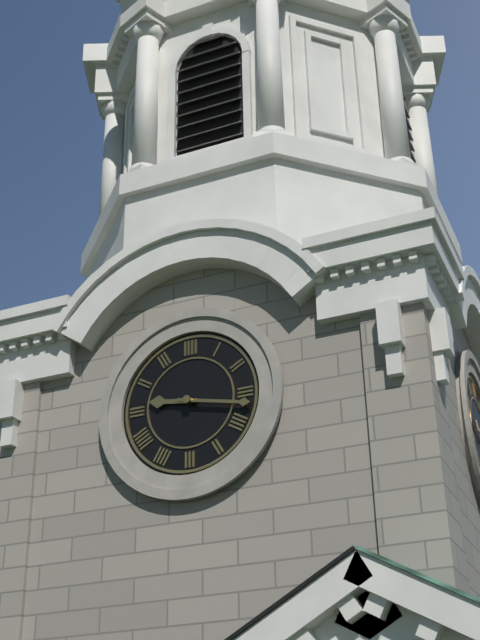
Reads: 9,17
